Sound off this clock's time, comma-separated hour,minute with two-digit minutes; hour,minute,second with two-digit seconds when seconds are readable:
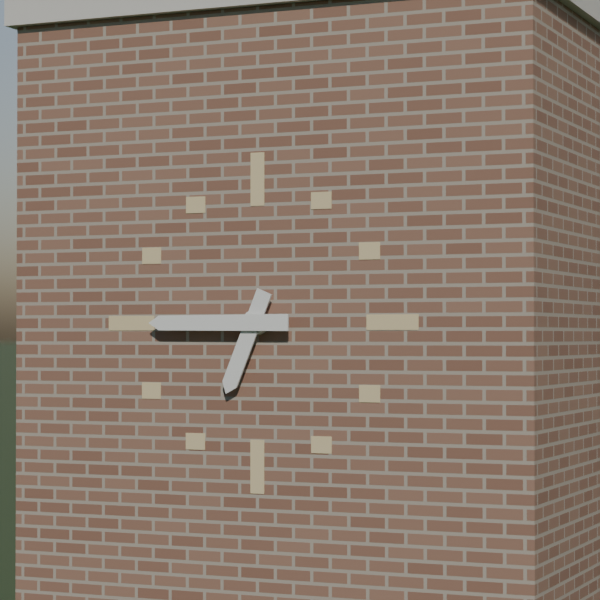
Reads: 6,45
